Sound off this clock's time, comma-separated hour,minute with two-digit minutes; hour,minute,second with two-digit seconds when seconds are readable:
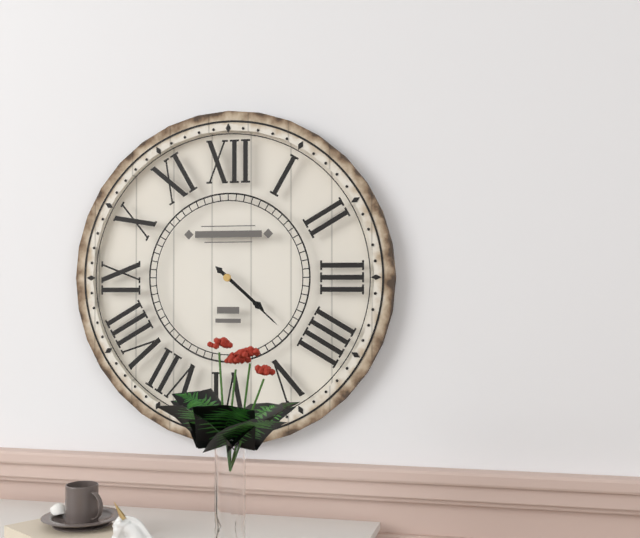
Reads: 4,22
